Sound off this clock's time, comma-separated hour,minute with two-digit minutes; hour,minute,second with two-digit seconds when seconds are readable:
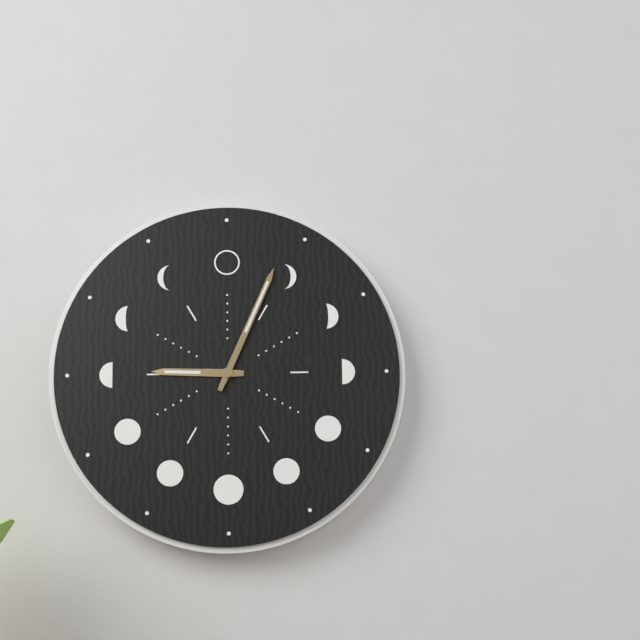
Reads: 9,04
